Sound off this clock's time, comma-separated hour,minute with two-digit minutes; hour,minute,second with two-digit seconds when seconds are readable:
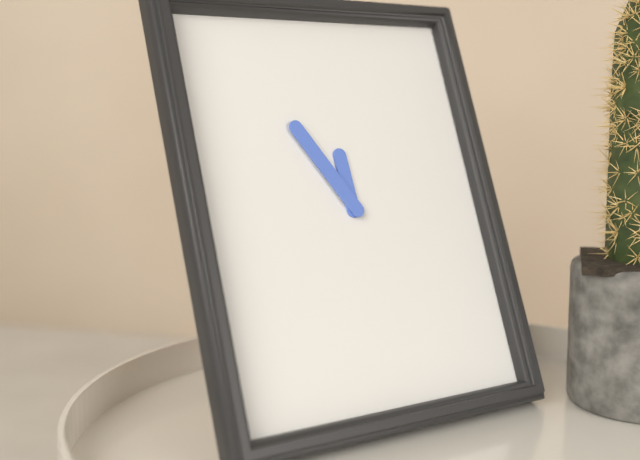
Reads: 11,55
